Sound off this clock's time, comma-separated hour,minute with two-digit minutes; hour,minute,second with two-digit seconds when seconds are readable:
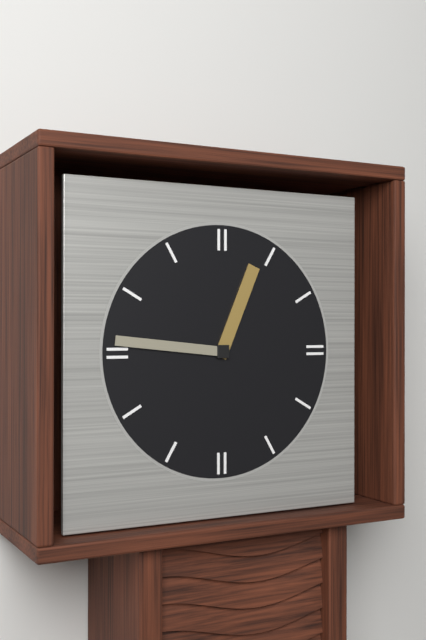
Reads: 12,46
